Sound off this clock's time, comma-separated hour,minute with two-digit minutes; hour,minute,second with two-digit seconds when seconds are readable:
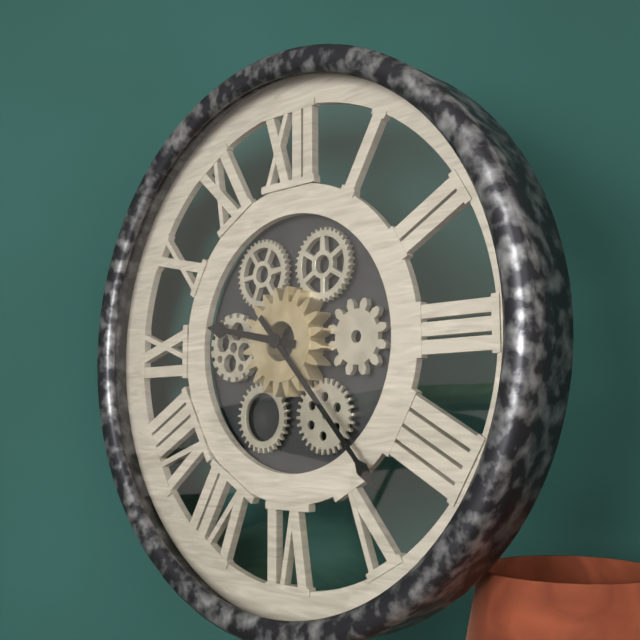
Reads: 9,23
